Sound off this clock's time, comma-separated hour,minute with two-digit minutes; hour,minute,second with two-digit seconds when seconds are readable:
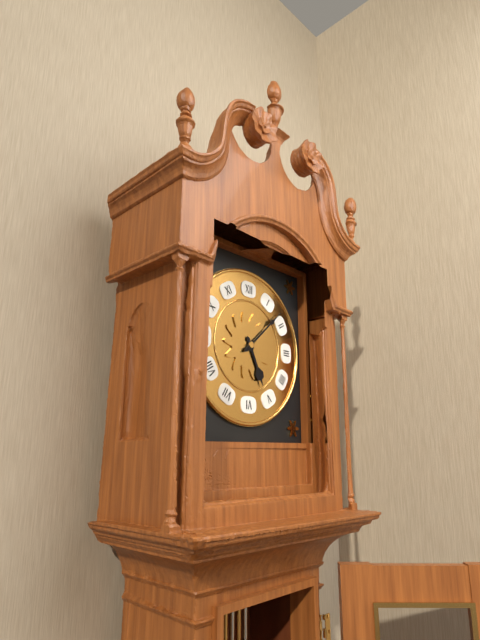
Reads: 5,08
